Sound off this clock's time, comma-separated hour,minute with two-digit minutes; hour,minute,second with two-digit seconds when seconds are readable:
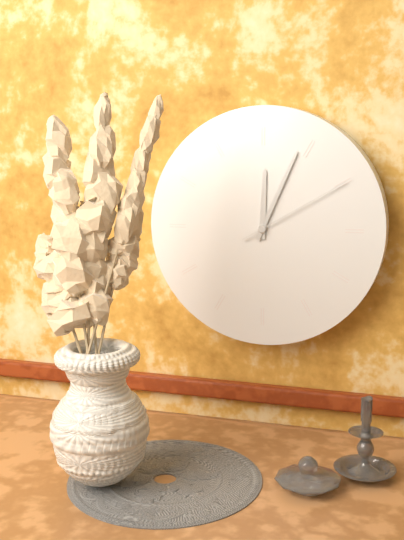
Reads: 12,04,10
